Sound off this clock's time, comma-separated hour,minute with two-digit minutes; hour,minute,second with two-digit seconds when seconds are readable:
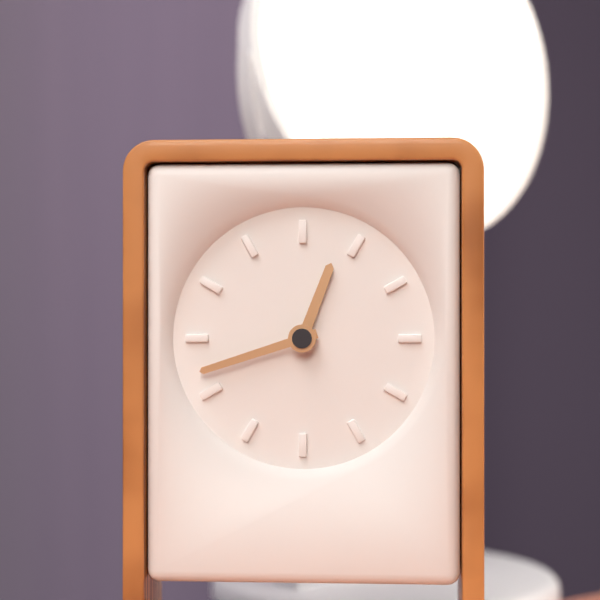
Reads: 12,42
